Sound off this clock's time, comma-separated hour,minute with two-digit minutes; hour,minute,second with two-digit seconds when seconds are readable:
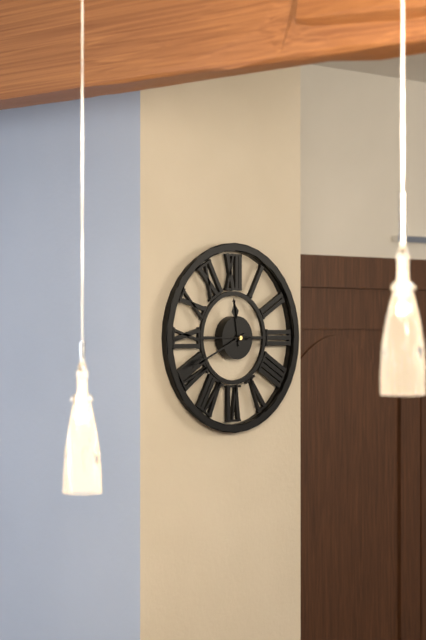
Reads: 11,41,45
